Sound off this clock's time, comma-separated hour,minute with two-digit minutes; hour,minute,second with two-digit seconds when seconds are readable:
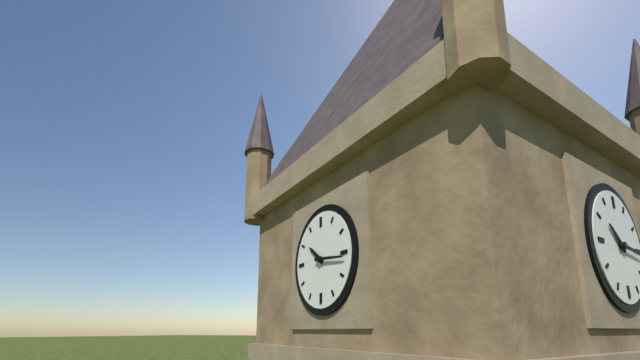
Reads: 10,16
